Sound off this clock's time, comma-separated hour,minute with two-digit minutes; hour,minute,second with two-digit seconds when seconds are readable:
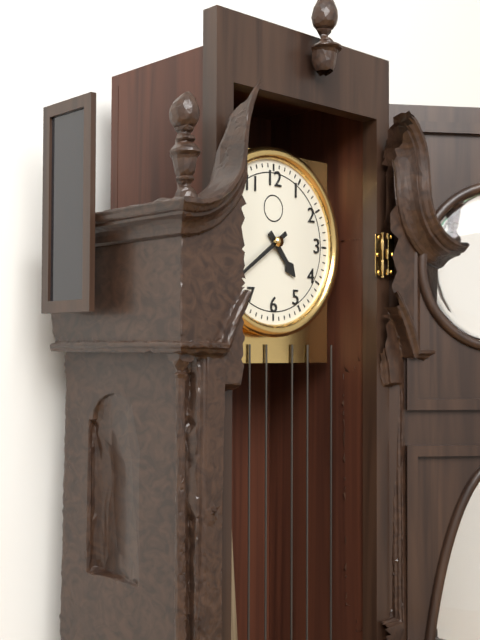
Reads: 4,39
